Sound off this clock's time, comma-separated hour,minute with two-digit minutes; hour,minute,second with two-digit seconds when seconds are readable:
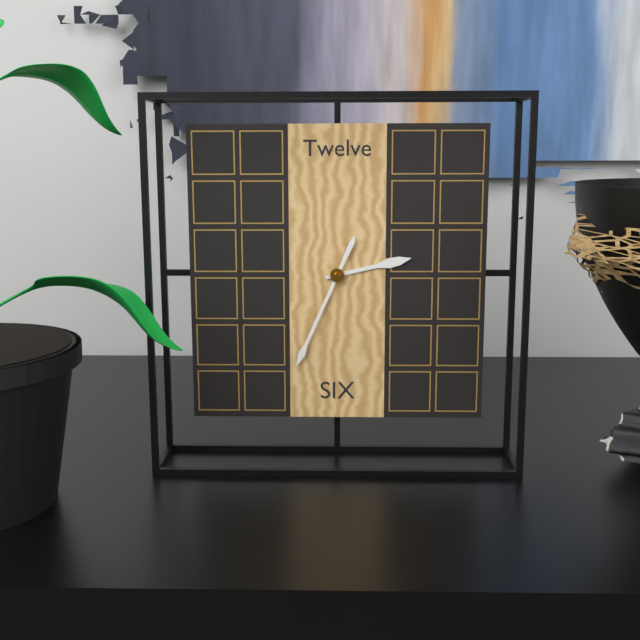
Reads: 2,34
